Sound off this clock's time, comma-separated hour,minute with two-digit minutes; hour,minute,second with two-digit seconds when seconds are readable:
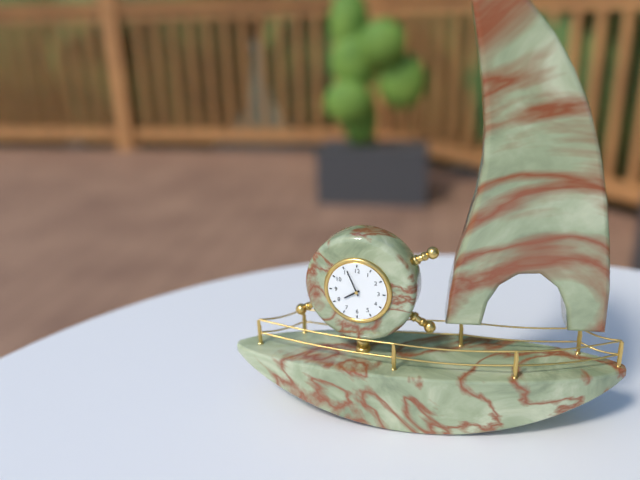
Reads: 7,56
